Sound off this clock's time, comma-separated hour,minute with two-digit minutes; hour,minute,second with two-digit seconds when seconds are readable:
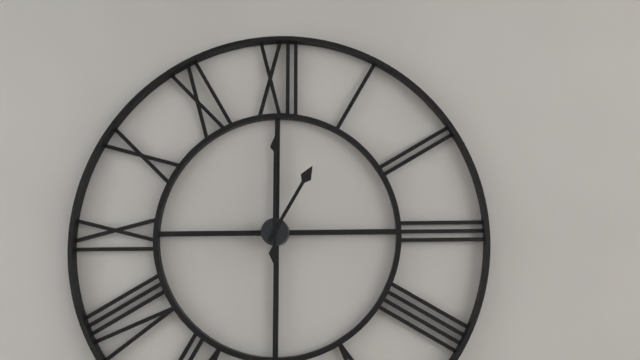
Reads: 1,00
